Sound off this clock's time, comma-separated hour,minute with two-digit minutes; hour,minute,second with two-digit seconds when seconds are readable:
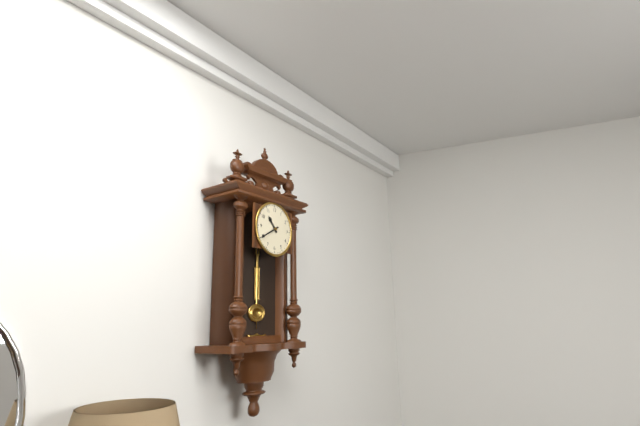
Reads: 10,40
